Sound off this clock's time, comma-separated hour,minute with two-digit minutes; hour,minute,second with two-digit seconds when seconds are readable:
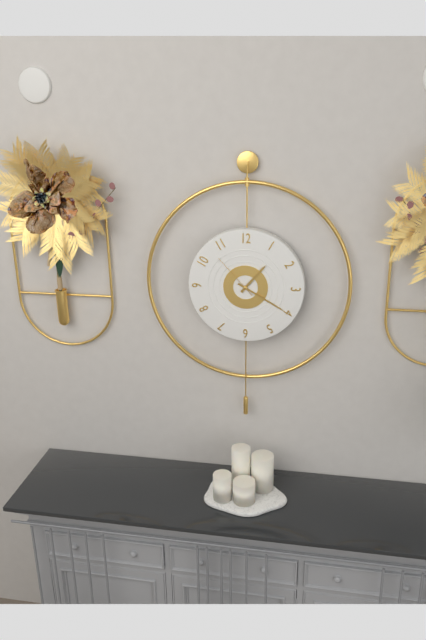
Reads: 1,20,53
